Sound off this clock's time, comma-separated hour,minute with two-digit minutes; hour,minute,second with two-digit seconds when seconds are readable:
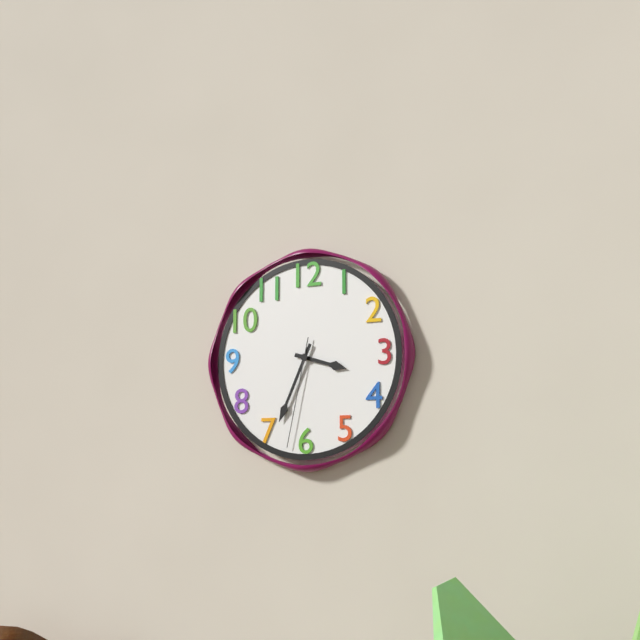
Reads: 3,34,32
